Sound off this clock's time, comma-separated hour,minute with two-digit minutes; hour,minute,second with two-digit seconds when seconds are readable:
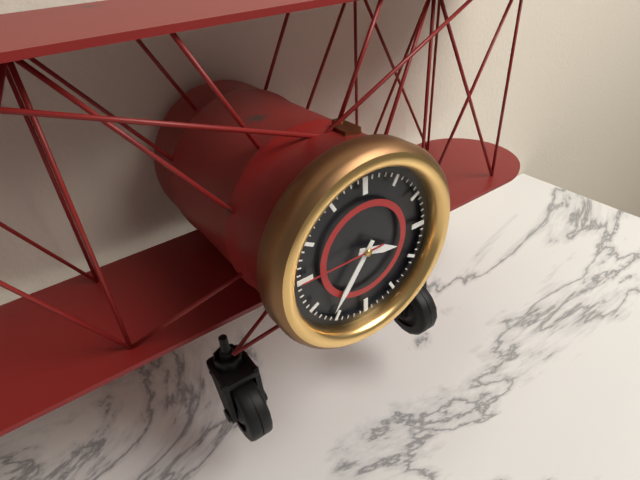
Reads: 3,36,45
